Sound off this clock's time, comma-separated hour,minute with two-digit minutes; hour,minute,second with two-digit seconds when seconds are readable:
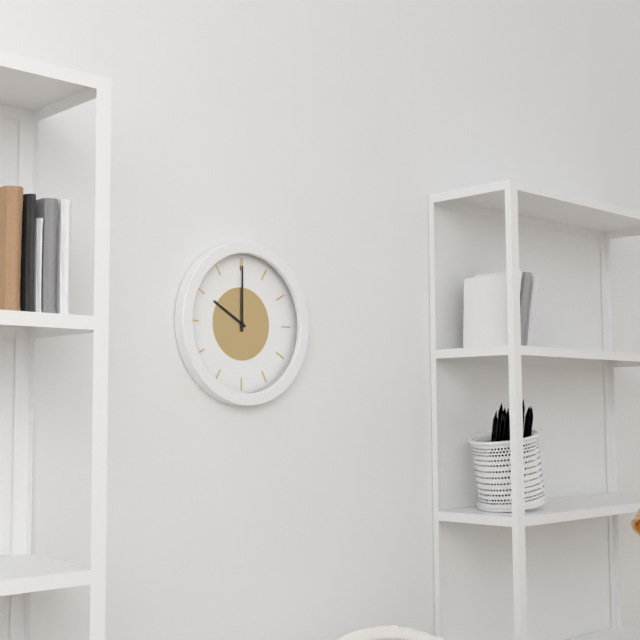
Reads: 10,00
